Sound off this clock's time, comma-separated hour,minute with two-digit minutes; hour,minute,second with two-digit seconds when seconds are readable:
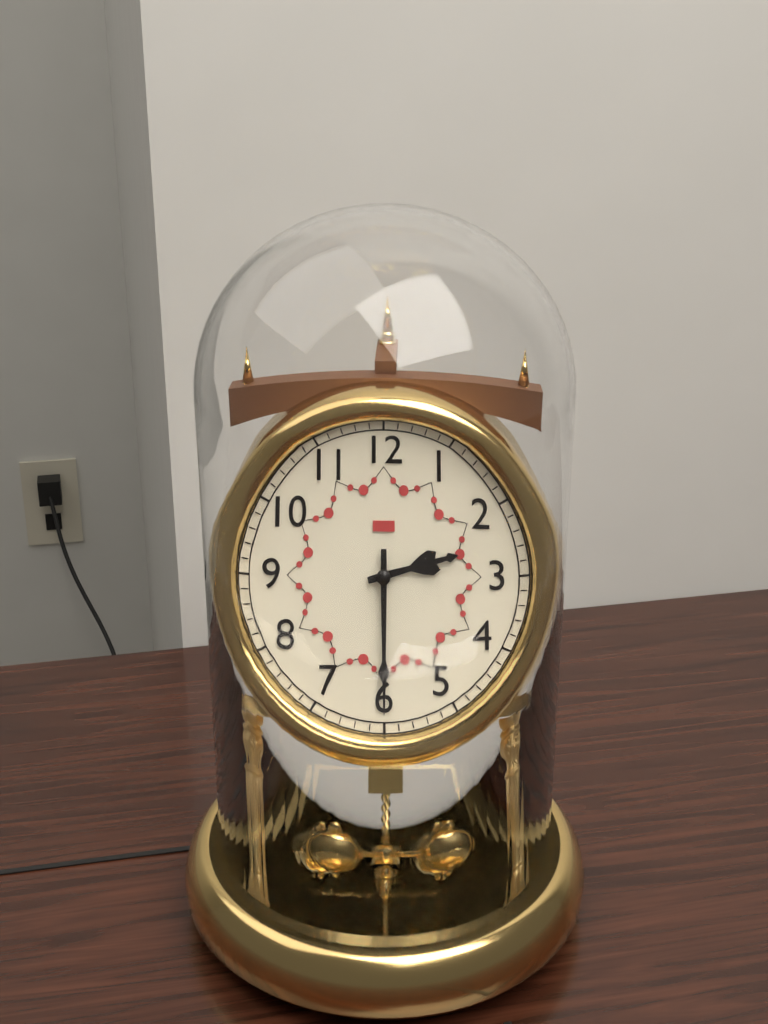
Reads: 2,30
